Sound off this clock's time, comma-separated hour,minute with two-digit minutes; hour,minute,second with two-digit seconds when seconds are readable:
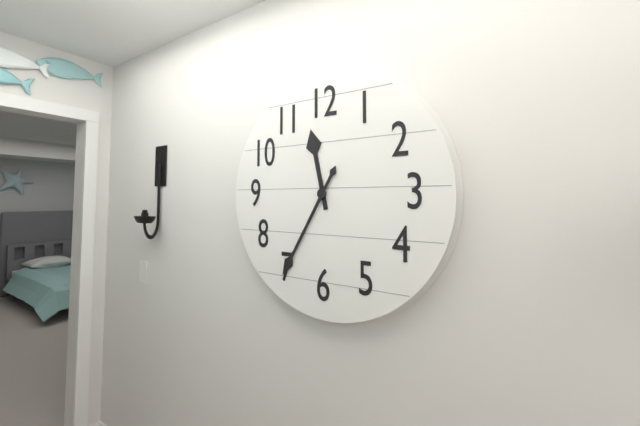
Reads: 11,35
